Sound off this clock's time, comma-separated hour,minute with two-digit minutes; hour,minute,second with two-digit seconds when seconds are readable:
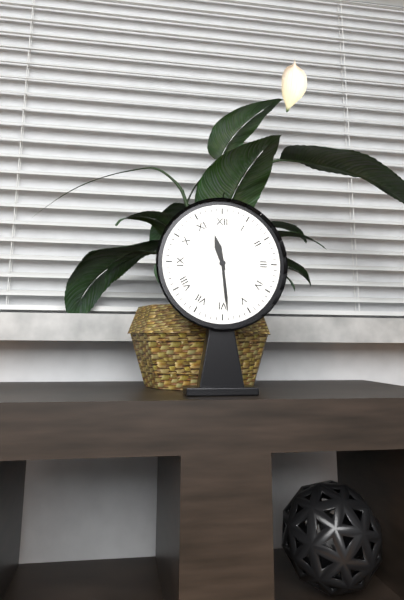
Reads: 11,29
